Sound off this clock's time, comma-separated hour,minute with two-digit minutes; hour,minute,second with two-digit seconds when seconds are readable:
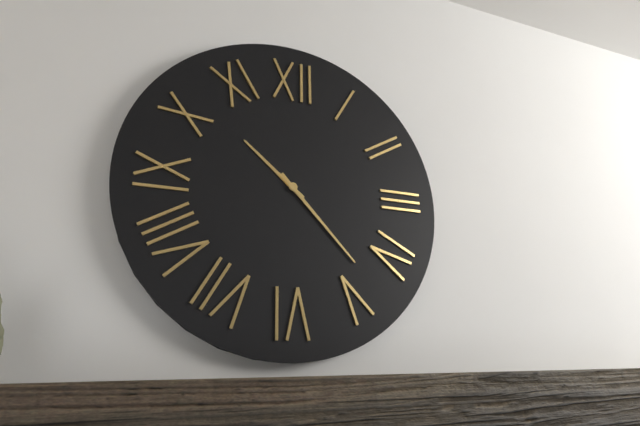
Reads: 10,23
